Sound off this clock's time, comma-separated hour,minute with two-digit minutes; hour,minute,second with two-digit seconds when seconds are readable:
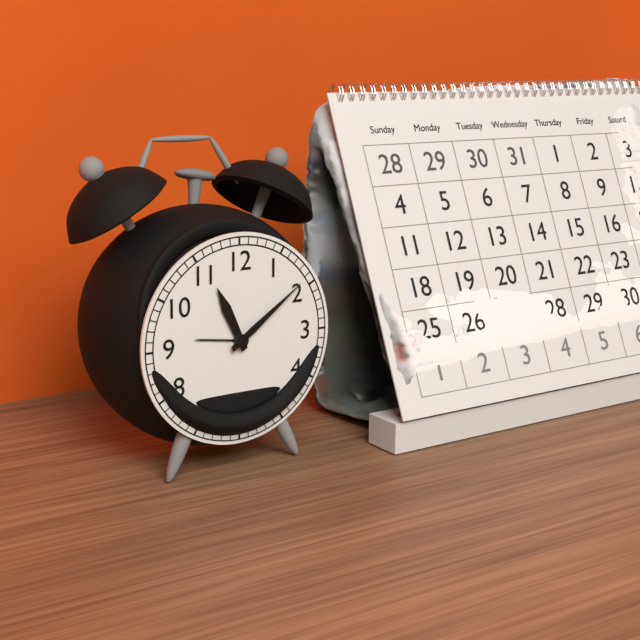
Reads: 11,09
